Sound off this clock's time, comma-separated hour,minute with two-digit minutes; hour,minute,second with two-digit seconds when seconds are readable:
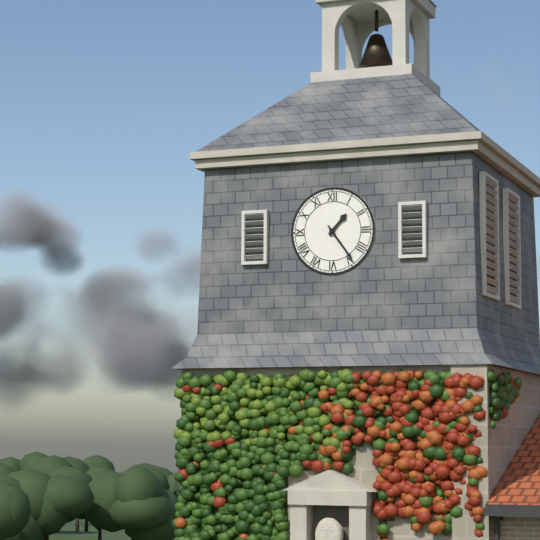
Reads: 1,24
